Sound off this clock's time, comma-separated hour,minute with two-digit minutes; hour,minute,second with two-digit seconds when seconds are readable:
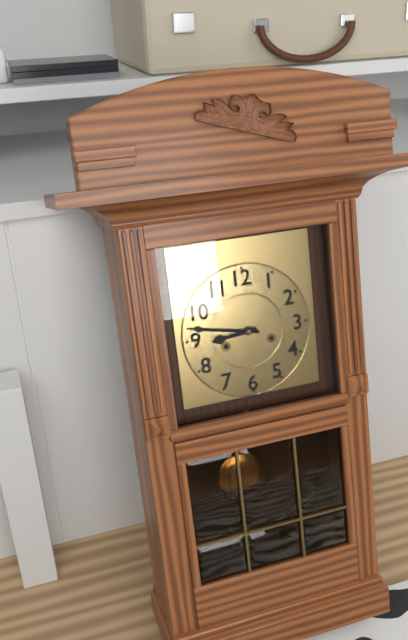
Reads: 8,47
